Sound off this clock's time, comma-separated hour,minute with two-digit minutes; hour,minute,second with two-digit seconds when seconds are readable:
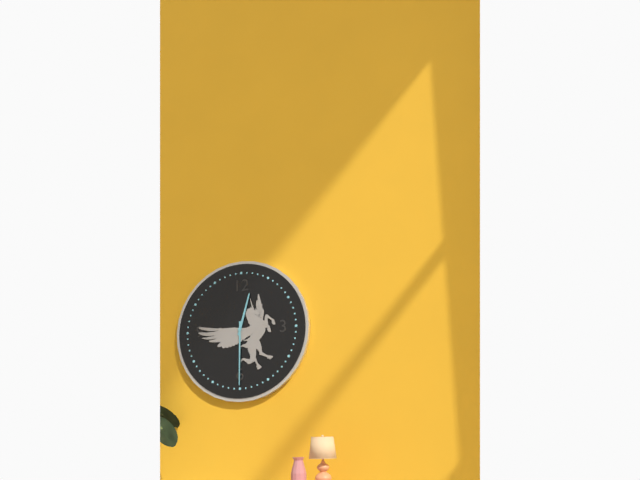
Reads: 12,30
